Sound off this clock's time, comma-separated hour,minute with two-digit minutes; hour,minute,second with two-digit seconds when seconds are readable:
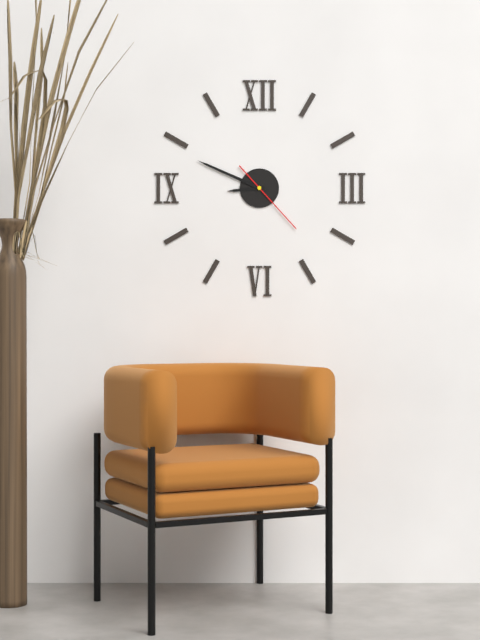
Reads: 8,49,23
